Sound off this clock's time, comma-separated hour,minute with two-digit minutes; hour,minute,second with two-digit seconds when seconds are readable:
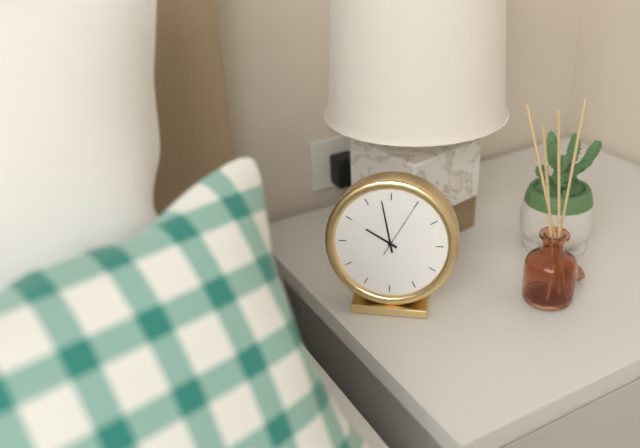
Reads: 9,58,05
